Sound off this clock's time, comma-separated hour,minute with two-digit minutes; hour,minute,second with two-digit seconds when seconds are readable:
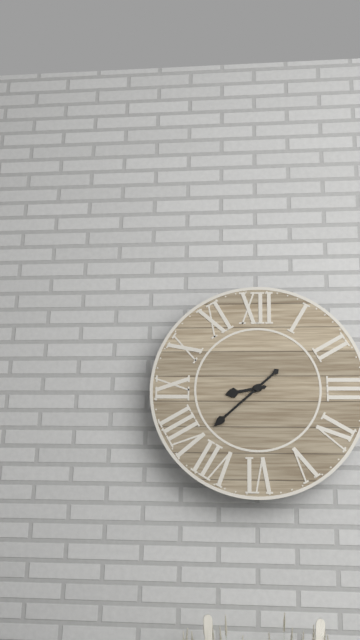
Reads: 8,38
